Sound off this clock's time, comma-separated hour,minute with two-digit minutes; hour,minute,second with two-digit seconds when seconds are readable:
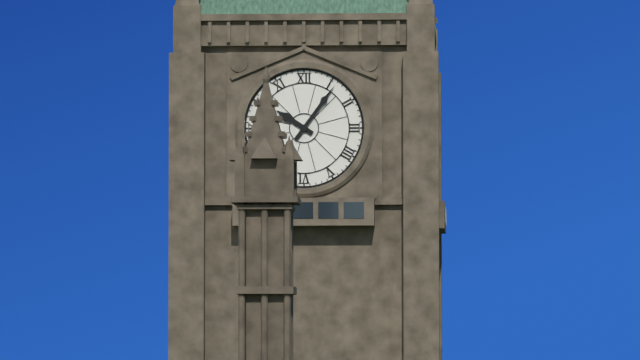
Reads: 10,06
